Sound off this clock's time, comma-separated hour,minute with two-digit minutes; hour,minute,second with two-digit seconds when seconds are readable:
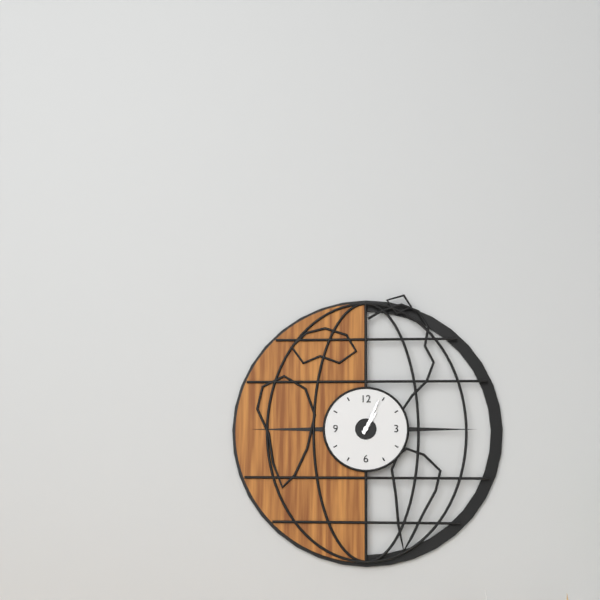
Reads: 1,04
